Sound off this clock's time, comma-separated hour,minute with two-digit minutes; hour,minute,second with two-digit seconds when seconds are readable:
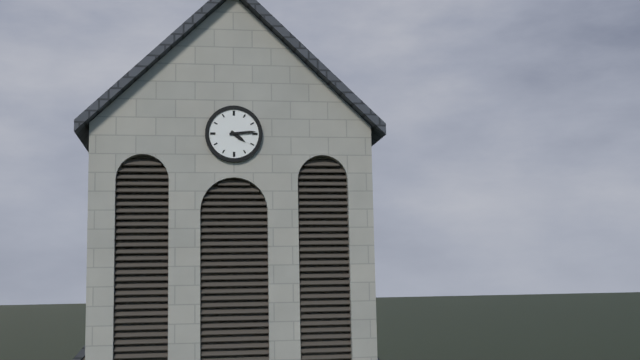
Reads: 4,14
